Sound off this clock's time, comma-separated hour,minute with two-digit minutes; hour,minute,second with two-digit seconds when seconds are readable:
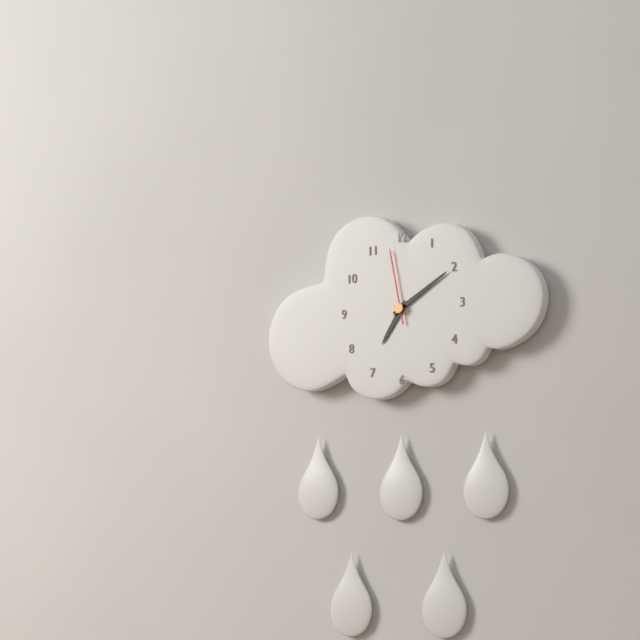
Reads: 7,10,58
